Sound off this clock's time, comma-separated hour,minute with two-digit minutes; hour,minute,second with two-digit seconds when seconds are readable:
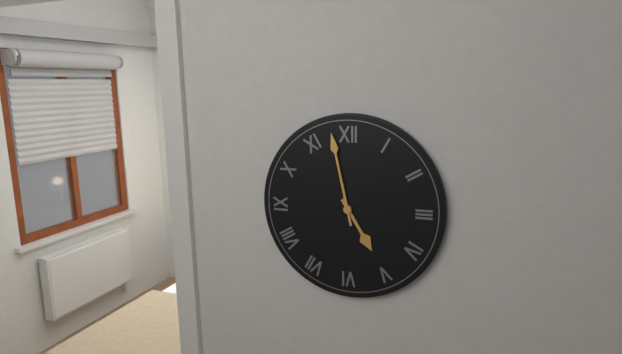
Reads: 4,58
